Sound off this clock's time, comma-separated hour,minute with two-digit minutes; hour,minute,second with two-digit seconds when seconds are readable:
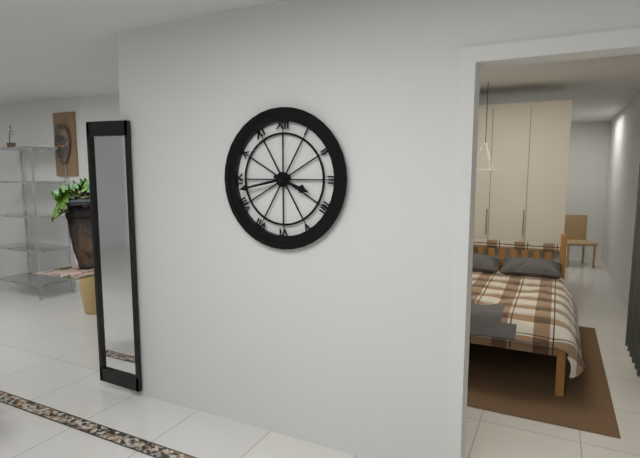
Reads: 3,43
